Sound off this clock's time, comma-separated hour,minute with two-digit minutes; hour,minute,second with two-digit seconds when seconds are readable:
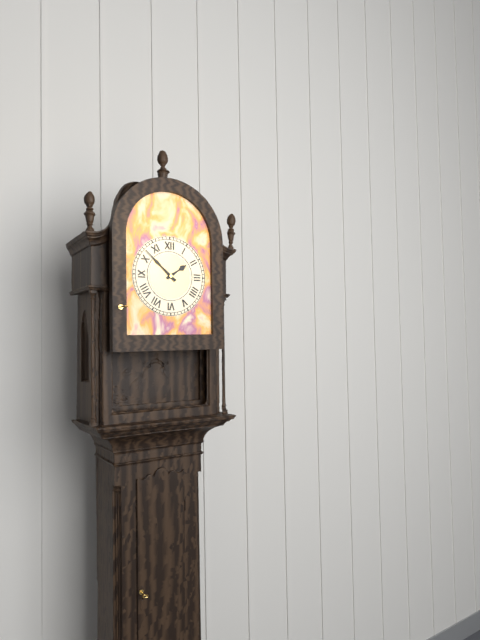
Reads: 1,52
